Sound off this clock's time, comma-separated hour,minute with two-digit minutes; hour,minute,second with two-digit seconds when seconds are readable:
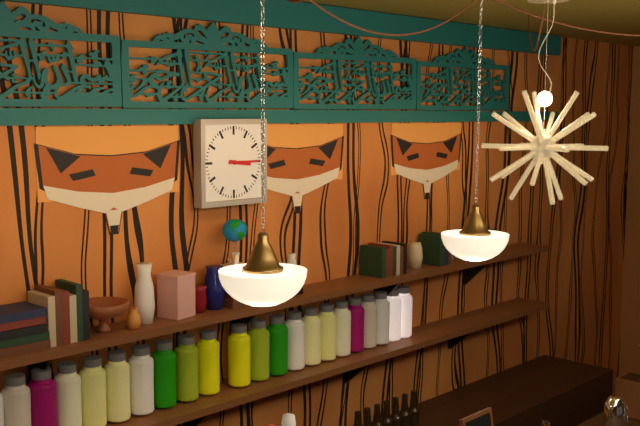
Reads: 3,15
